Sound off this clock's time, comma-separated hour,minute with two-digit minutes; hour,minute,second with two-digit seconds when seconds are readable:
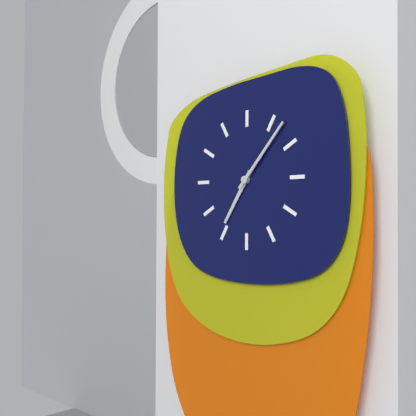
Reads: 7,07
